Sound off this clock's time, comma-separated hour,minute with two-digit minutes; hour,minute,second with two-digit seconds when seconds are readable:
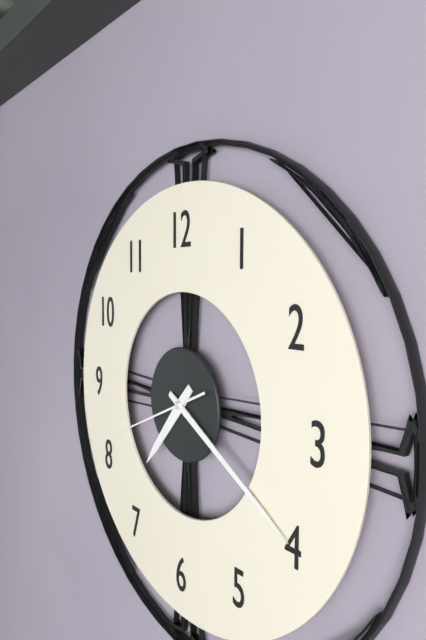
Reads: 7,20,41
